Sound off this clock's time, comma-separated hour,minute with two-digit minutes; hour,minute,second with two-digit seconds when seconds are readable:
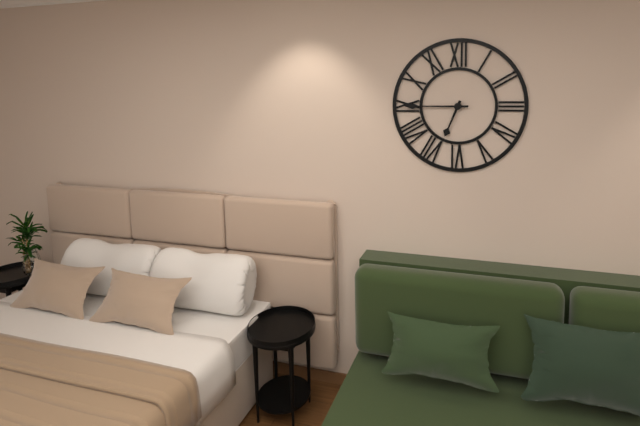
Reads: 6,45
